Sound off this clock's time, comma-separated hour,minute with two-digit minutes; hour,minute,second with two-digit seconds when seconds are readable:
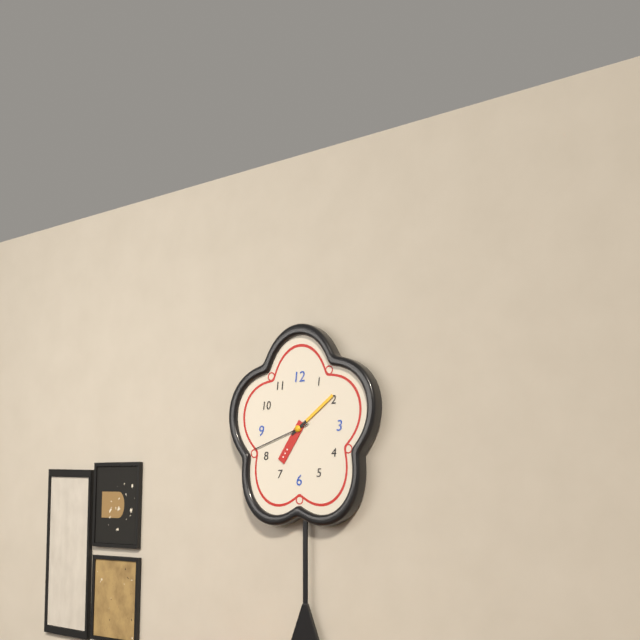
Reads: 7,09,42
